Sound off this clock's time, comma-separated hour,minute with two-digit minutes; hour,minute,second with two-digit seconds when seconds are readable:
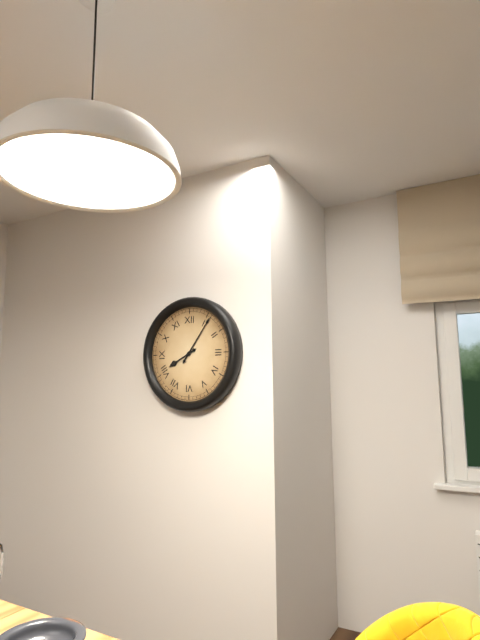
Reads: 8,06
